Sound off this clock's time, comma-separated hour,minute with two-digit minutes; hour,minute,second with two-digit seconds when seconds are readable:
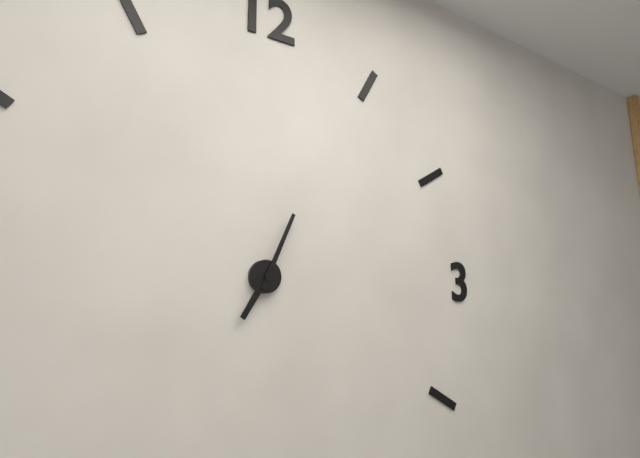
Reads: 7,04
